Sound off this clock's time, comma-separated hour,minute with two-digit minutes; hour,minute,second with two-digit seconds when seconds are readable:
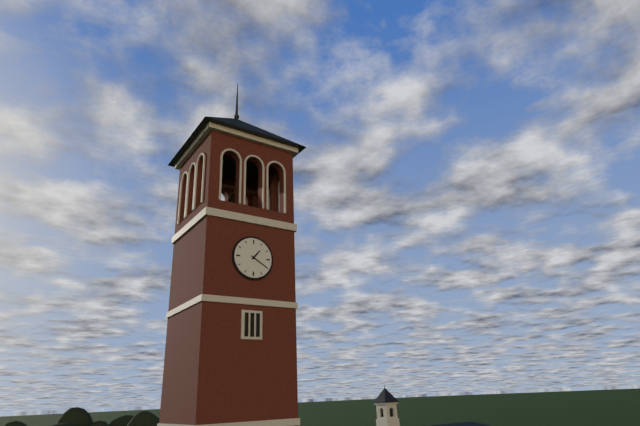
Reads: 1,20
